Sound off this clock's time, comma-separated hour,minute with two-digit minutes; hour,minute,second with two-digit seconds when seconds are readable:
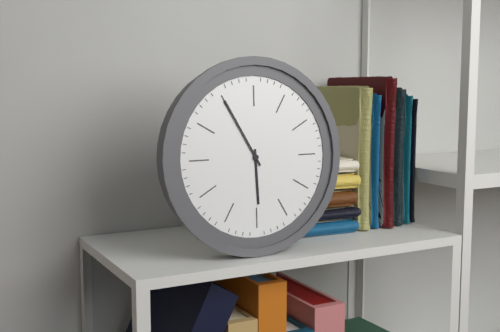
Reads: 5,55
